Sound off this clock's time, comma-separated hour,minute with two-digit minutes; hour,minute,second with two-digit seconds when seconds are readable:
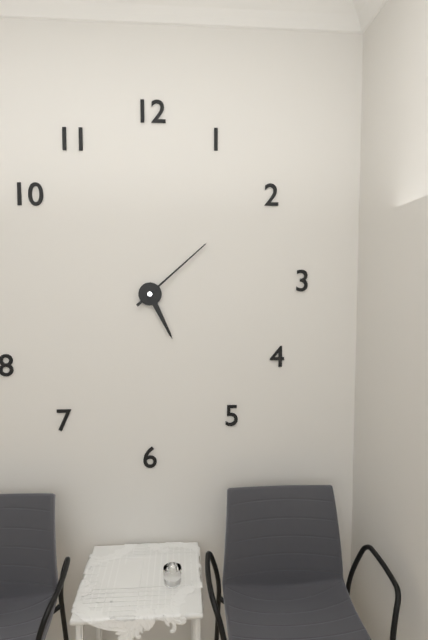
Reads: 5,08
